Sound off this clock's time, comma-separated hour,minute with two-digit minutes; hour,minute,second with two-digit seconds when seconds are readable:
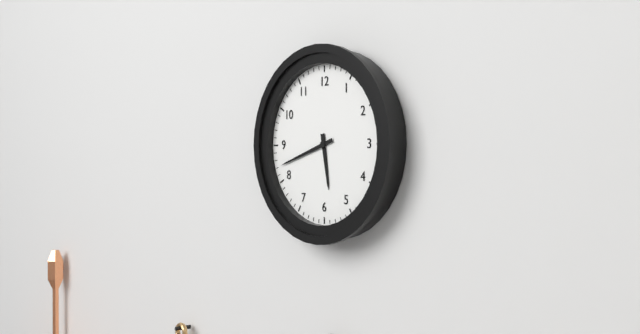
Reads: 5,42
